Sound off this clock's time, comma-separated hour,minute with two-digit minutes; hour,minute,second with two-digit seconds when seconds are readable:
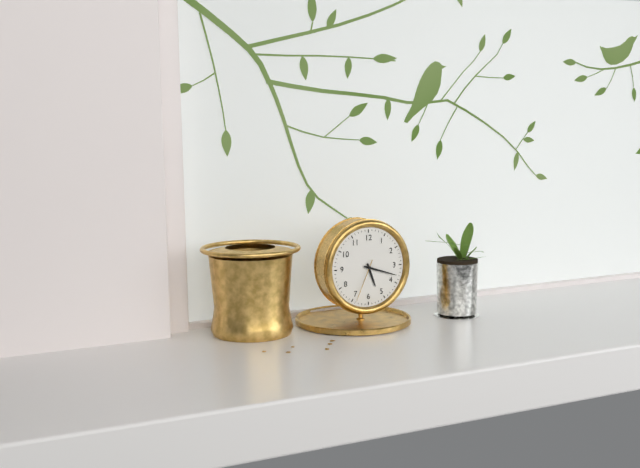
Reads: 5,18
